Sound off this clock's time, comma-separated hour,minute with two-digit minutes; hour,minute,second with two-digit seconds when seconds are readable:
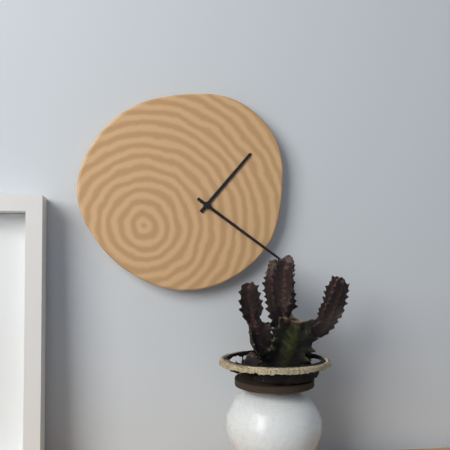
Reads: 1,21
